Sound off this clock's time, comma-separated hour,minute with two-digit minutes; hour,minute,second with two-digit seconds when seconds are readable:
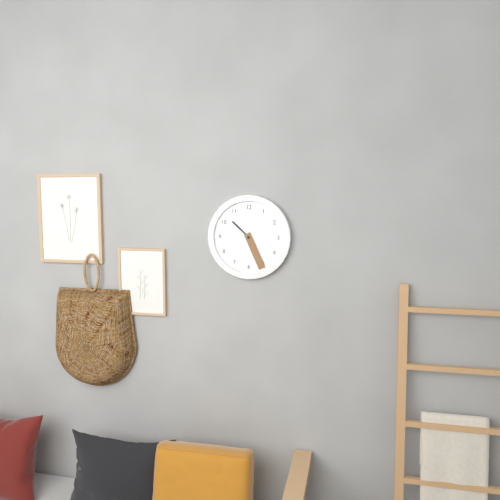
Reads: 10,26
